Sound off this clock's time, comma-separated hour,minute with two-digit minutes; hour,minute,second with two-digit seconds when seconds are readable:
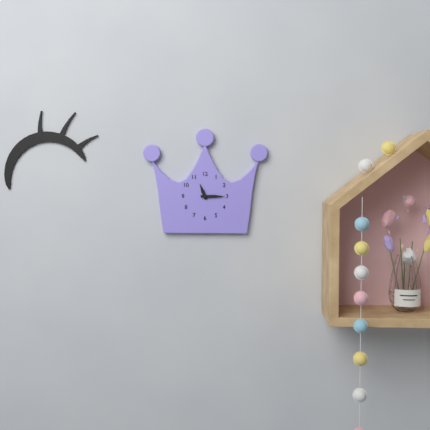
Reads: 11,15
